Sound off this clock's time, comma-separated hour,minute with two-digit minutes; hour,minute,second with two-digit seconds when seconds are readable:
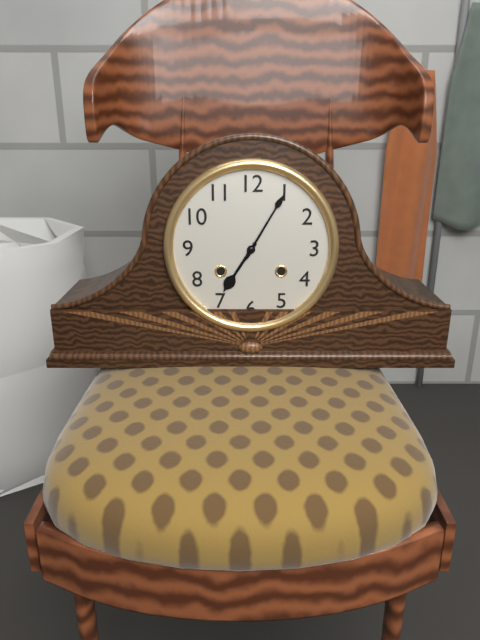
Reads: 7,05
